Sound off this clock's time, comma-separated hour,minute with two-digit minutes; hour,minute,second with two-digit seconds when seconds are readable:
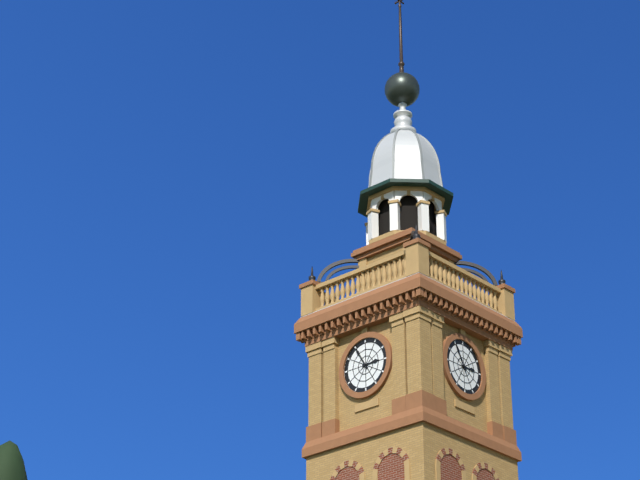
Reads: 2,55
